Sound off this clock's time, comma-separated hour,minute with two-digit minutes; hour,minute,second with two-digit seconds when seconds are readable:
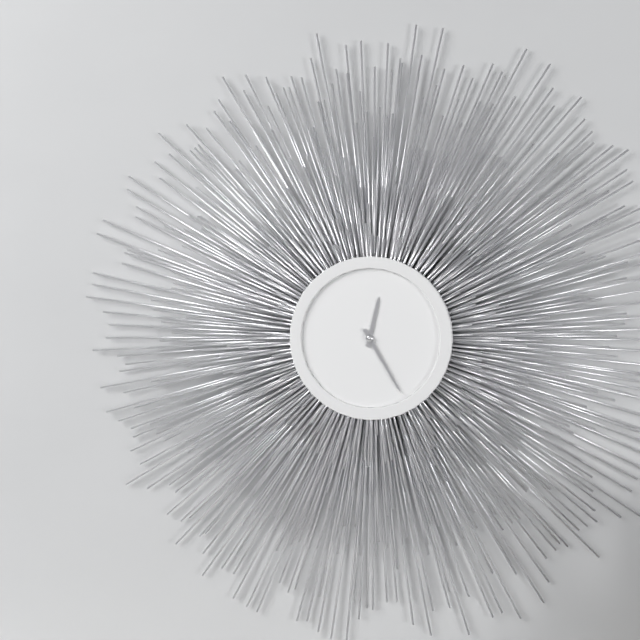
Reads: 12,25
